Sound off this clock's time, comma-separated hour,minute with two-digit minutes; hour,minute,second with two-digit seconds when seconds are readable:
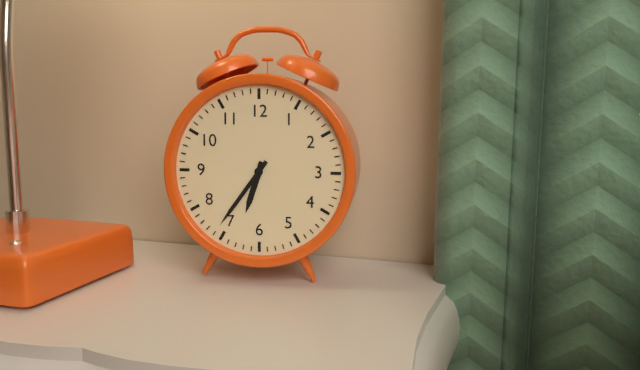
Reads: 6,36
